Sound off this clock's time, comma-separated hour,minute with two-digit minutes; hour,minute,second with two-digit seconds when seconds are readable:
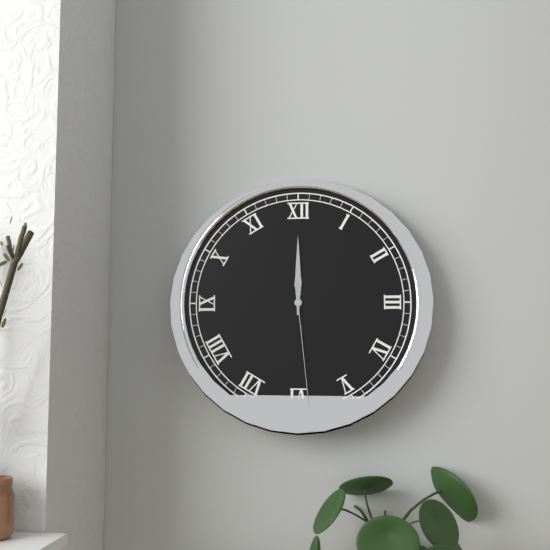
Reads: 12,00,29
